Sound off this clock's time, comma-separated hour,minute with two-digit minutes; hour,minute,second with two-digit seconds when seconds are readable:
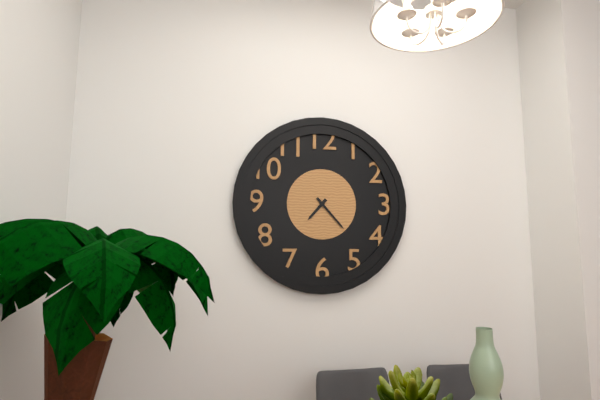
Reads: 7,23
